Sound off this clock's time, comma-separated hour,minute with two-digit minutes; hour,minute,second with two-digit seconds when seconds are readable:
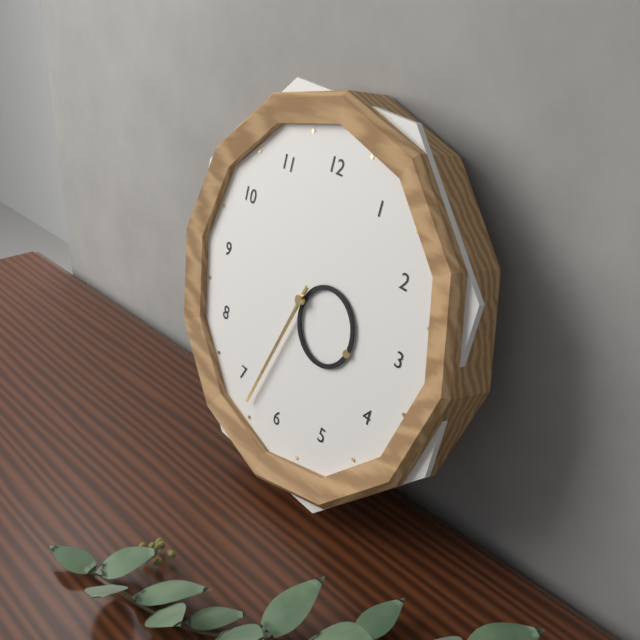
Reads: 3,33
